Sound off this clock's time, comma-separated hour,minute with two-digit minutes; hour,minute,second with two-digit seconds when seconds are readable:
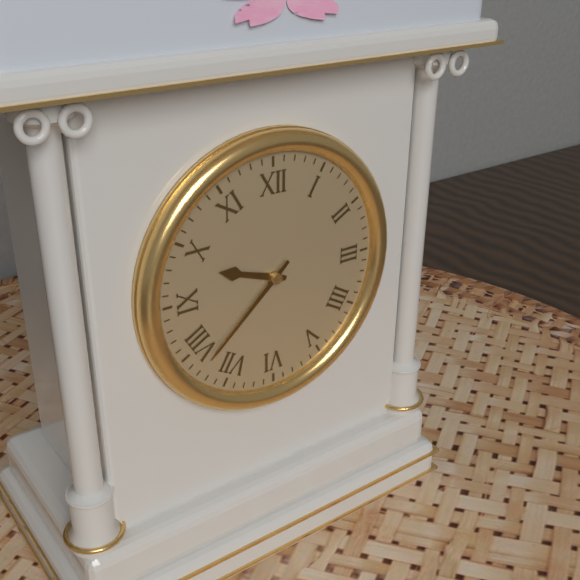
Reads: 9,38
